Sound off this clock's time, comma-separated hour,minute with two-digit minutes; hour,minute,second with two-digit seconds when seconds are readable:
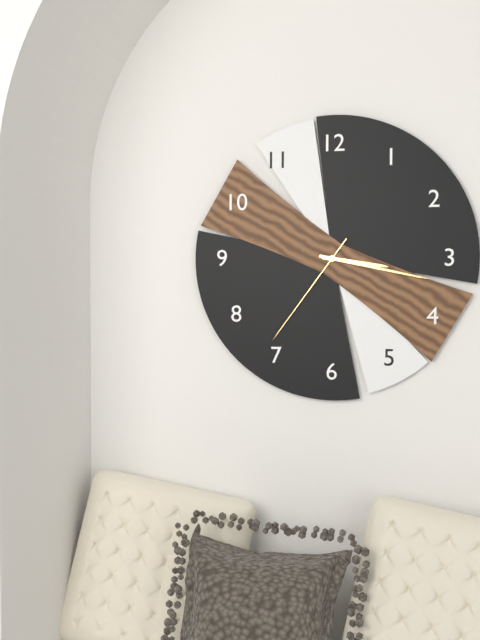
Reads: 3,17,36
